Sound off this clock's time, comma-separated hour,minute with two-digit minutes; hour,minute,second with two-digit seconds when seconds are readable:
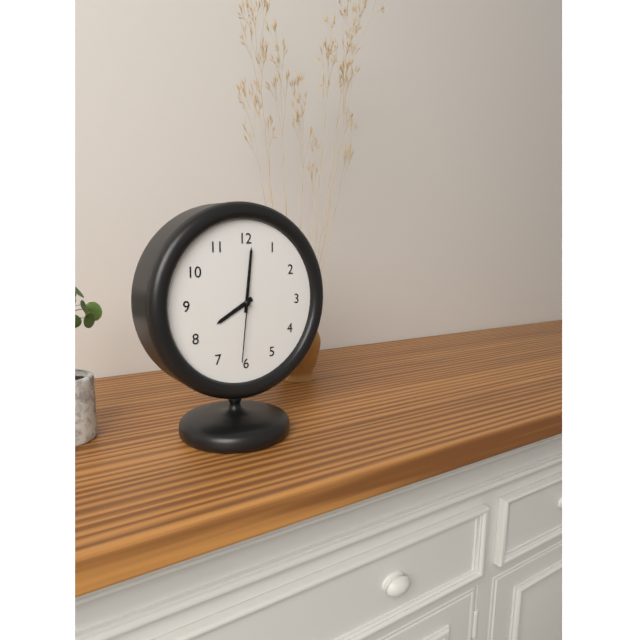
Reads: 8,01,31
